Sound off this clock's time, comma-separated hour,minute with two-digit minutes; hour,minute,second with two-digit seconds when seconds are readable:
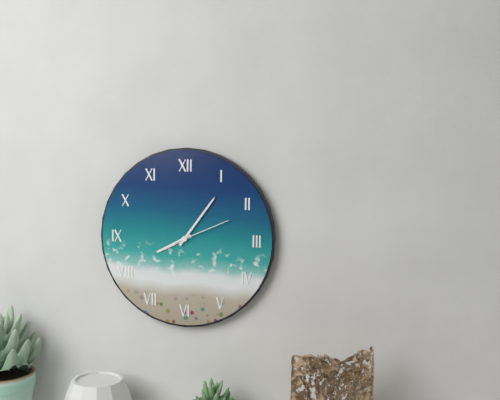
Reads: 8,06,11
